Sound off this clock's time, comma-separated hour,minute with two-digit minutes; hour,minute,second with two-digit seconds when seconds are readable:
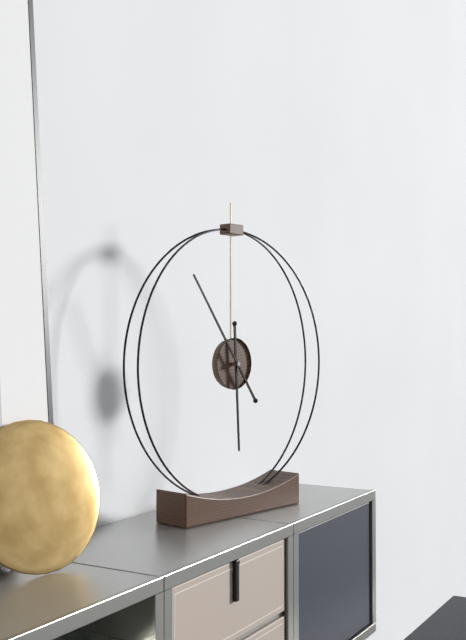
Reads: 5,54
